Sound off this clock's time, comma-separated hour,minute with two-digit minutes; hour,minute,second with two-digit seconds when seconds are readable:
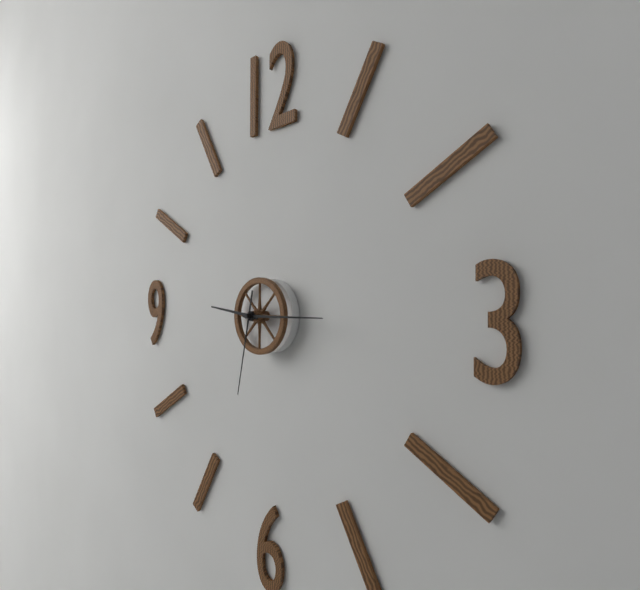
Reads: 9,15,32
